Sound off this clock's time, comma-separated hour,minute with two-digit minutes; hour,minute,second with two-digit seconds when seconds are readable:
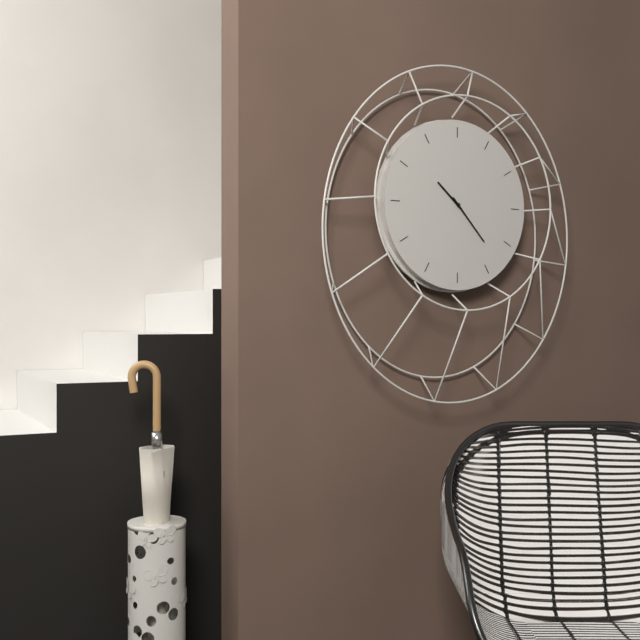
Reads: 10,23
